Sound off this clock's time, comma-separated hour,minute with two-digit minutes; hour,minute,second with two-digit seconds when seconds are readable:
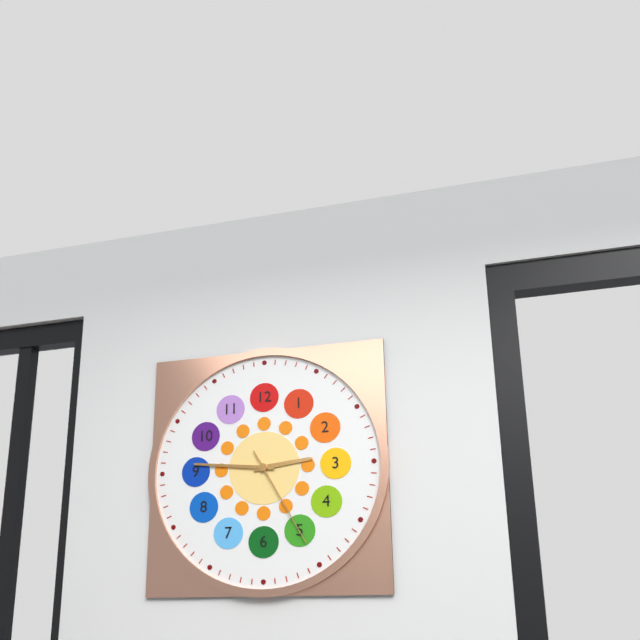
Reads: 2,46,25
